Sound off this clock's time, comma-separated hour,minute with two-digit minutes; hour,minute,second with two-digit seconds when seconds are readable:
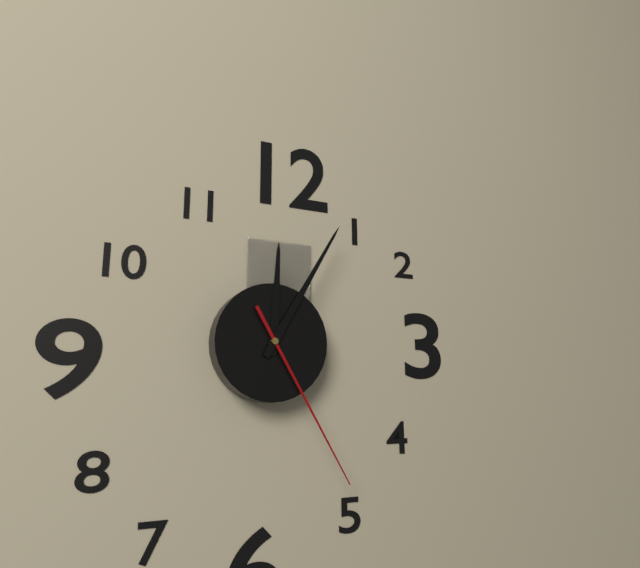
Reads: 12,05,25
